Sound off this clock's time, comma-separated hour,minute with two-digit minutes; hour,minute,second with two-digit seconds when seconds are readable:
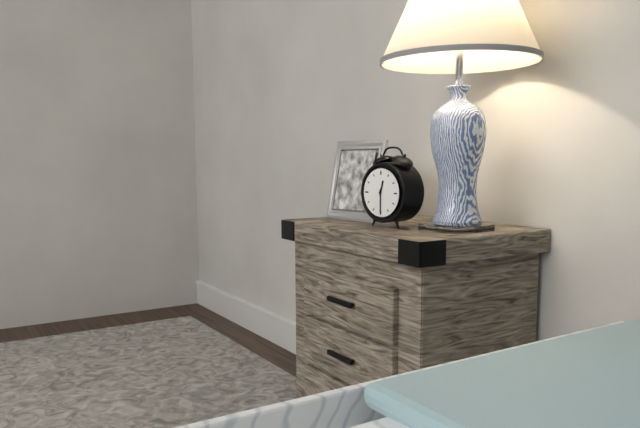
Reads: 12,30
